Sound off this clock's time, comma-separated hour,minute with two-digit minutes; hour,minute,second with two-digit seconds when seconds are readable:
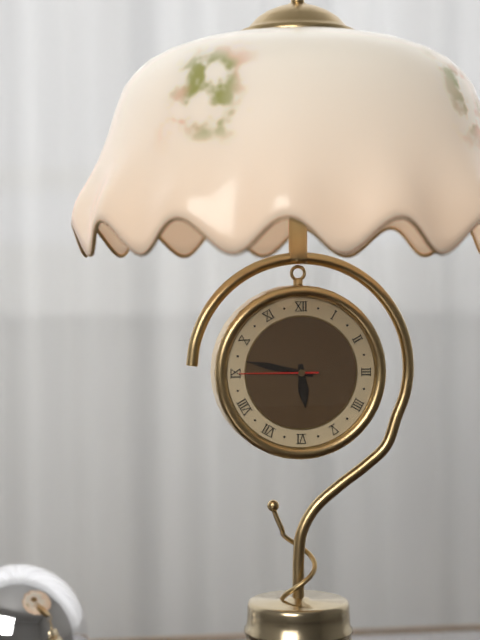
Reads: 5,47,45
